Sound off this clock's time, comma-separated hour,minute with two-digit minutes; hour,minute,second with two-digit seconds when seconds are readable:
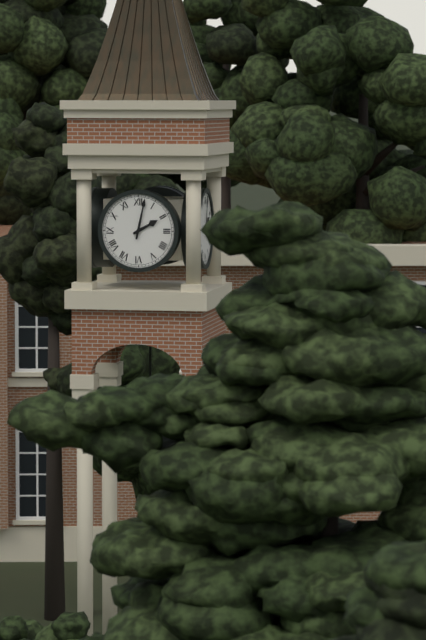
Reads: 2,02
